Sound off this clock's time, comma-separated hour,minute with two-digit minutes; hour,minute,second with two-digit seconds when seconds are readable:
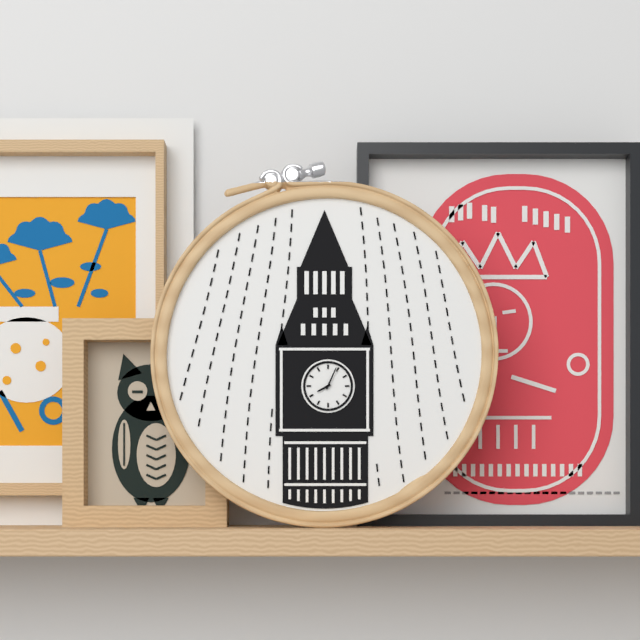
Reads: 8,04
